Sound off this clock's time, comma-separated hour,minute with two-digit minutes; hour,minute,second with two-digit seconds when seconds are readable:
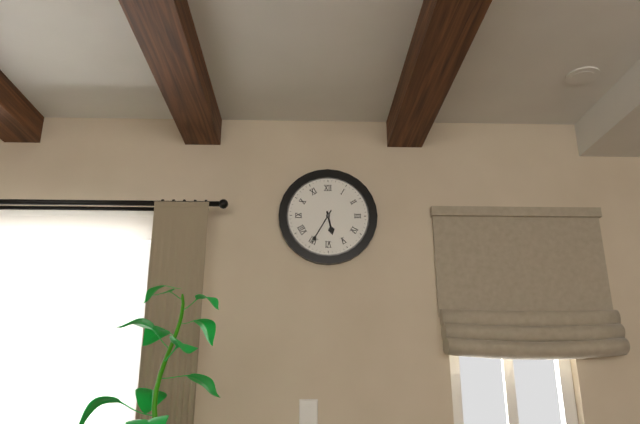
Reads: 5,35
